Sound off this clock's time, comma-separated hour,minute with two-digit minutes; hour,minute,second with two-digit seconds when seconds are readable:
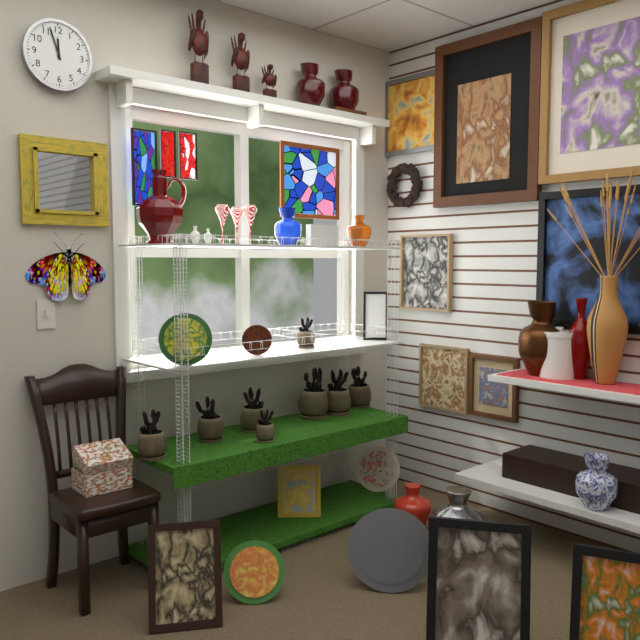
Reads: 11,57
